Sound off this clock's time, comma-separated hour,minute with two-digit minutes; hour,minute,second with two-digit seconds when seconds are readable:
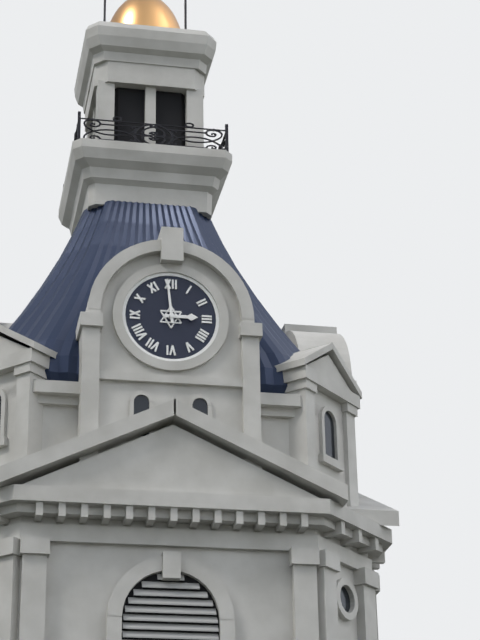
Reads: 2,59
